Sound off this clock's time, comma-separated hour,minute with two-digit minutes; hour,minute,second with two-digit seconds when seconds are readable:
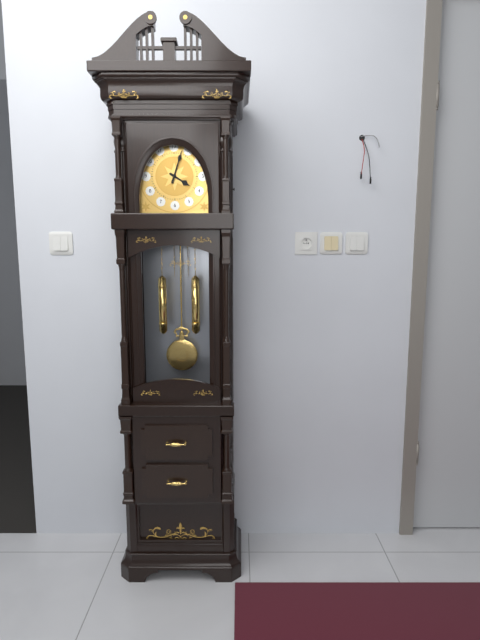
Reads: 4,03
